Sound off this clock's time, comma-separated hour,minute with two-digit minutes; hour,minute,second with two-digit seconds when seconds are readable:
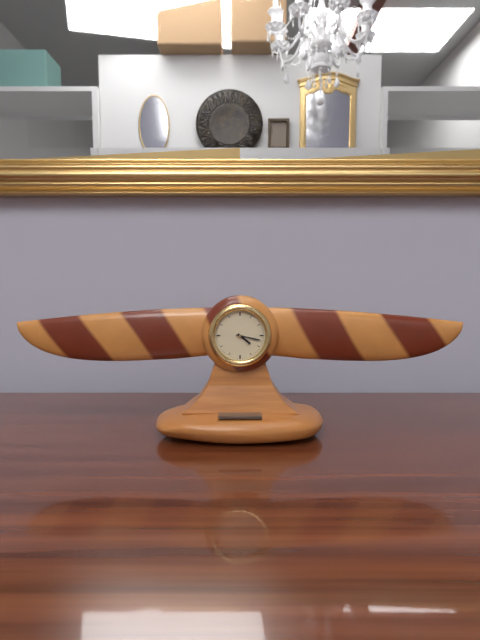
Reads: 4,17
